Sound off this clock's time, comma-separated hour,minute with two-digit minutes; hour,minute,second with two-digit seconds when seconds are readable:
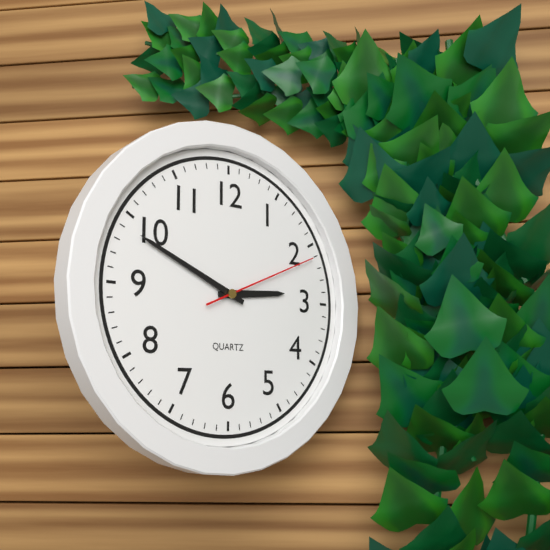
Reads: 2,49,11
